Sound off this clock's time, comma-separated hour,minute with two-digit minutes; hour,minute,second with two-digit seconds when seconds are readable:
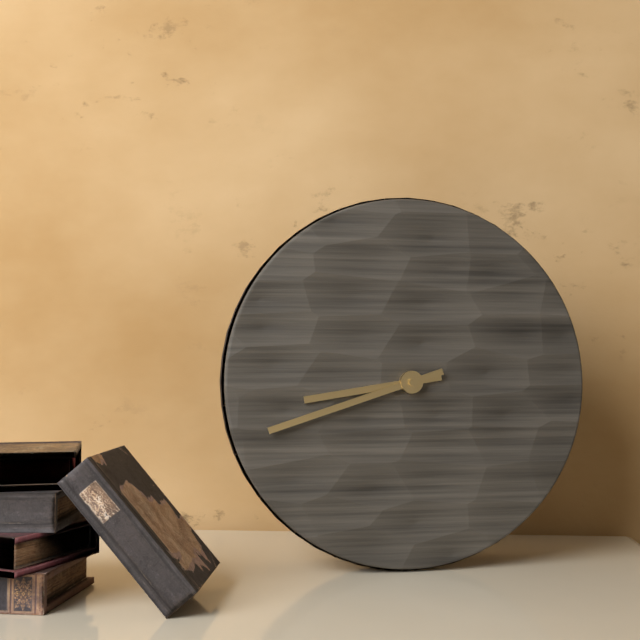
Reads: 8,42
